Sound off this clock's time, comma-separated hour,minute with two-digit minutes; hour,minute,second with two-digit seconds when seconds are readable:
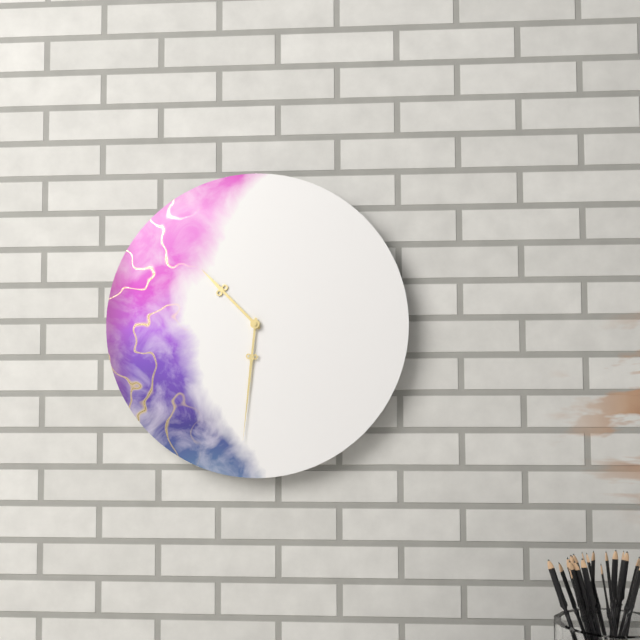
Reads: 10,31
